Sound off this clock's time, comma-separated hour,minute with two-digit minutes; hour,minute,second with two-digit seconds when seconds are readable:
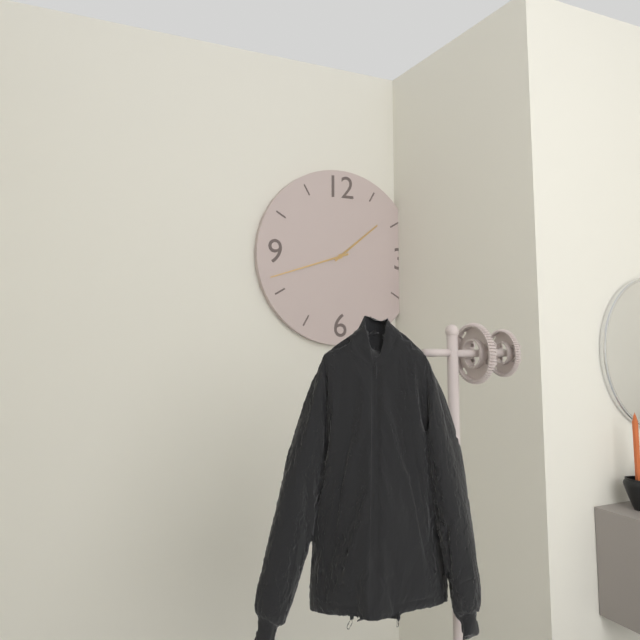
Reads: 1,42
